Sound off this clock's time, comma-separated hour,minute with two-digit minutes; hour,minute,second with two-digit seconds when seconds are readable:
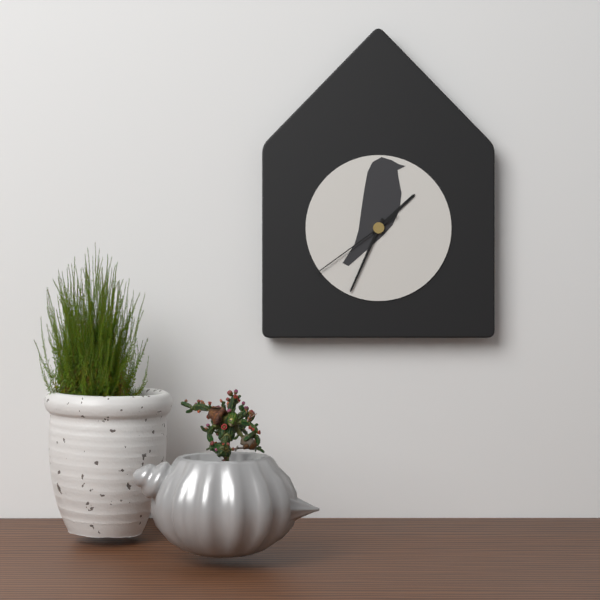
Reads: 1,34,39
